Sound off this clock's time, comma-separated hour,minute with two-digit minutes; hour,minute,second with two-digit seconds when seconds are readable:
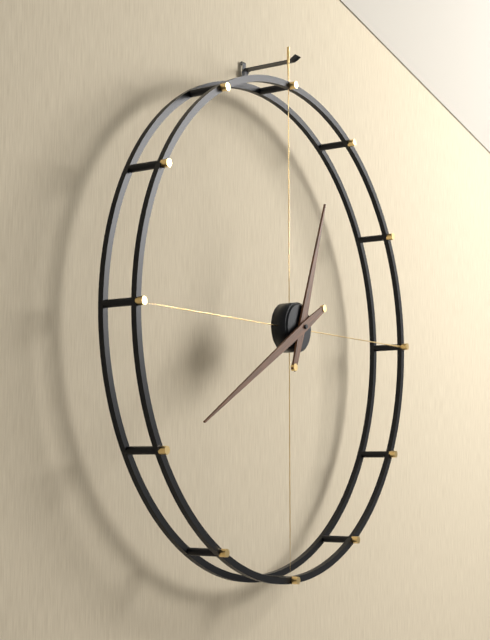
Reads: 12,40
